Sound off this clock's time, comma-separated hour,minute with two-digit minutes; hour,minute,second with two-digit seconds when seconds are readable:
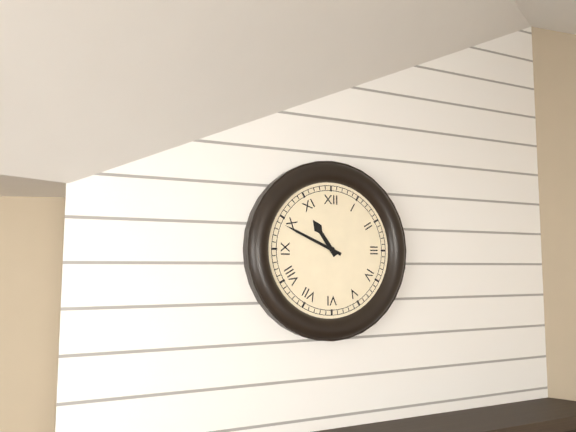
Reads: 10,49
